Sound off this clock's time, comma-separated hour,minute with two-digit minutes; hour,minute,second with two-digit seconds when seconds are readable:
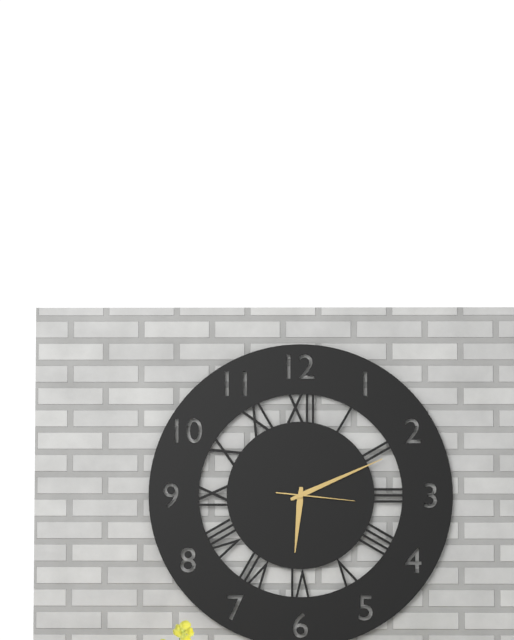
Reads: 6,11,16
